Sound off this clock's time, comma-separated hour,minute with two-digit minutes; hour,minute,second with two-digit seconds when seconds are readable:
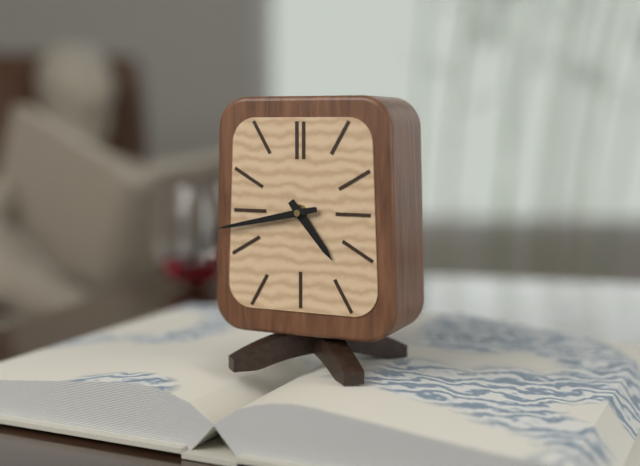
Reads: 4,43
